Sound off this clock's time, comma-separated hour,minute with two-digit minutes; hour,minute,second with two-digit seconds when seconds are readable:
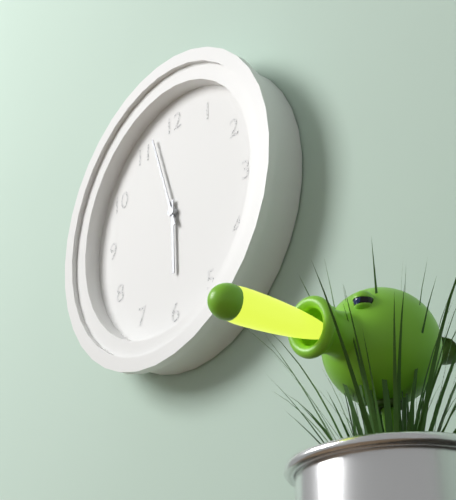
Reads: 5,57
